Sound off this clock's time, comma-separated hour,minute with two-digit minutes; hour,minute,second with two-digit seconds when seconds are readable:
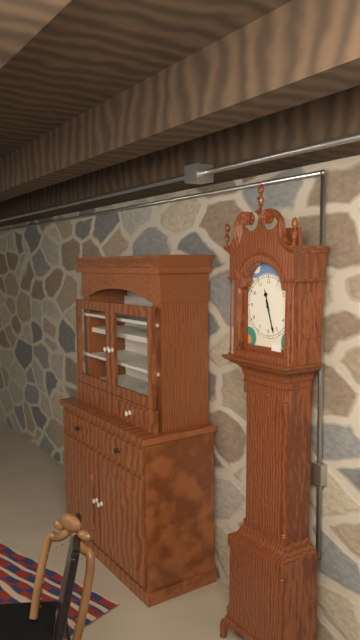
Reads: 11,27
